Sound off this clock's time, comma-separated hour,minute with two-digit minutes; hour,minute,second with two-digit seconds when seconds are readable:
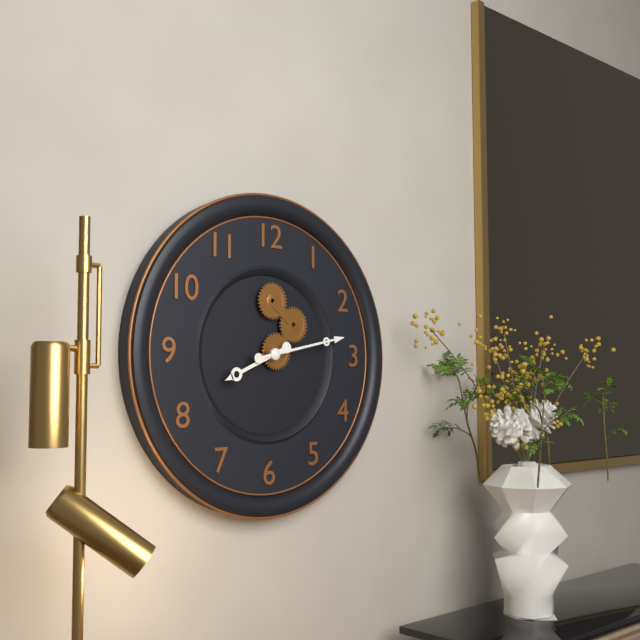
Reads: 8,13
